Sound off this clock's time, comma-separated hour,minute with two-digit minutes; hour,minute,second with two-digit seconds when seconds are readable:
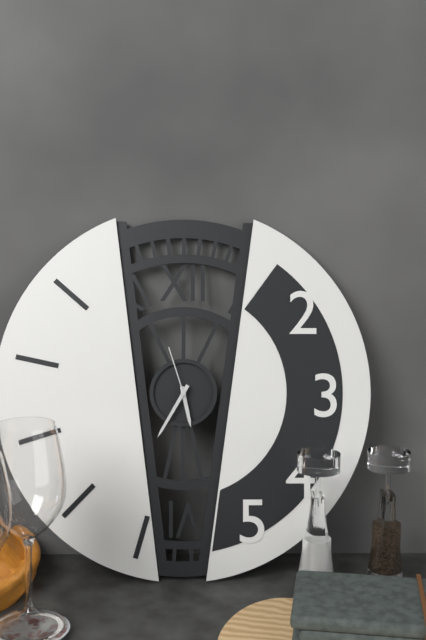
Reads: 5,35,57
